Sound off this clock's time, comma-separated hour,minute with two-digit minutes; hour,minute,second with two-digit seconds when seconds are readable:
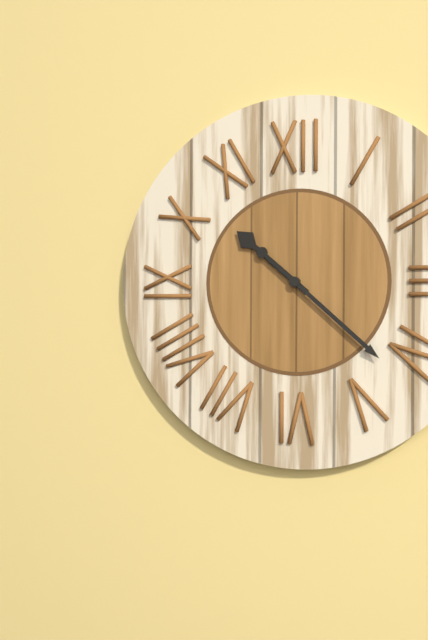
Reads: 10,22
